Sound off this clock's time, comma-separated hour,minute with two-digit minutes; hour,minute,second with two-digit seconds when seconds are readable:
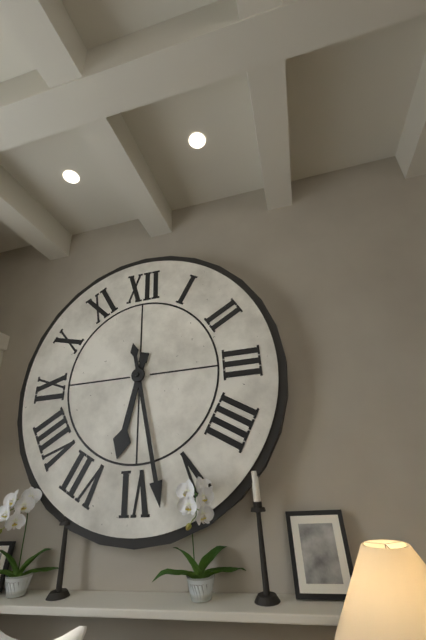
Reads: 6,28
